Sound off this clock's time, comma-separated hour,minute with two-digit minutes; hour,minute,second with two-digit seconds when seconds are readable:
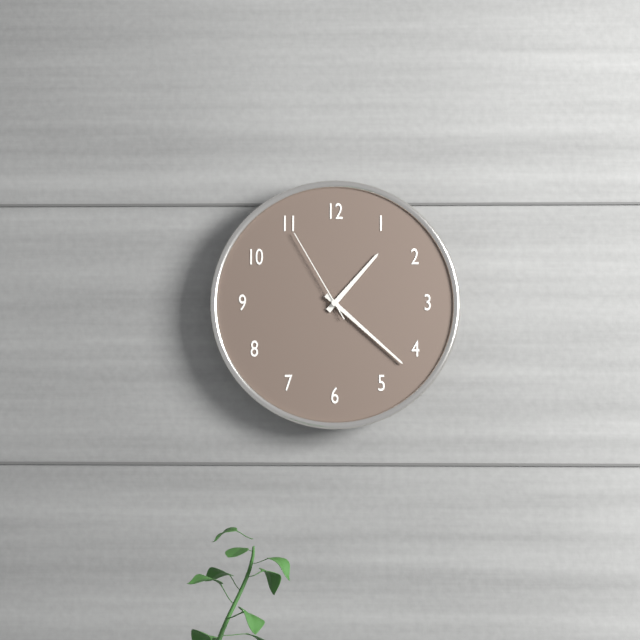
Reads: 1,22,55
